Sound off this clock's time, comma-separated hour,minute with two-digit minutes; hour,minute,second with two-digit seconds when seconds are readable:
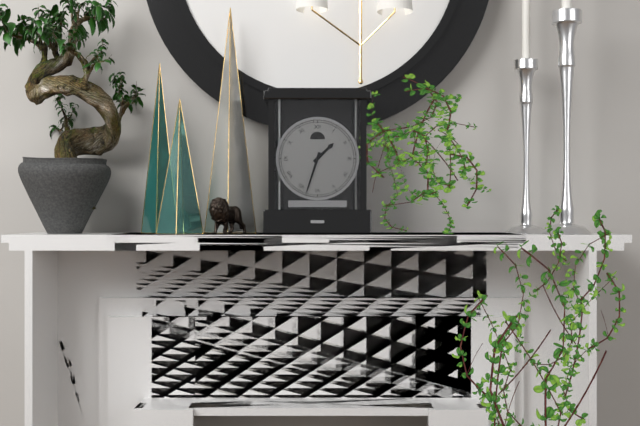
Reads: 1,33
